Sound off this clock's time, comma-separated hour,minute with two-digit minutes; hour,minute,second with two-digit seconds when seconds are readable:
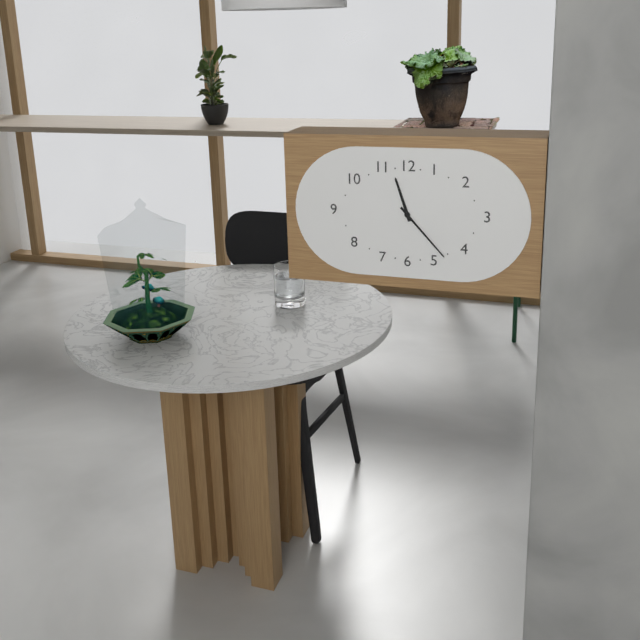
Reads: 11,23
